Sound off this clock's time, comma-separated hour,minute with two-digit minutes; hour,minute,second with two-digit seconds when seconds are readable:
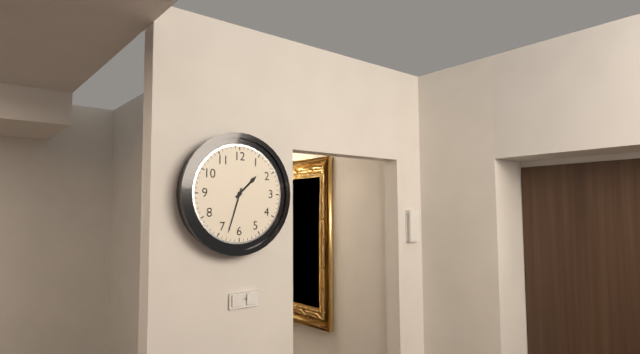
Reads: 1,33
